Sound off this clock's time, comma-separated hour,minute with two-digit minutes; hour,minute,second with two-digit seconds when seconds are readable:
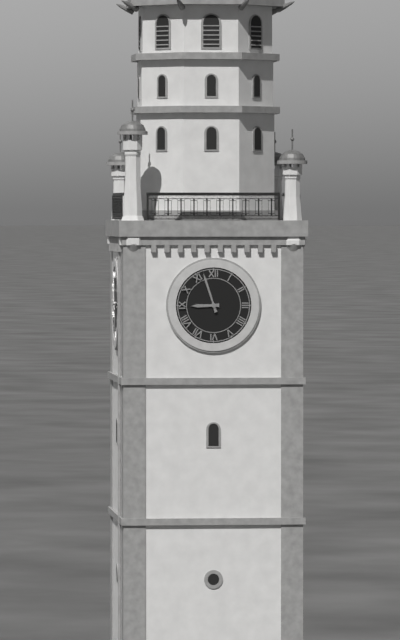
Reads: 8,57
